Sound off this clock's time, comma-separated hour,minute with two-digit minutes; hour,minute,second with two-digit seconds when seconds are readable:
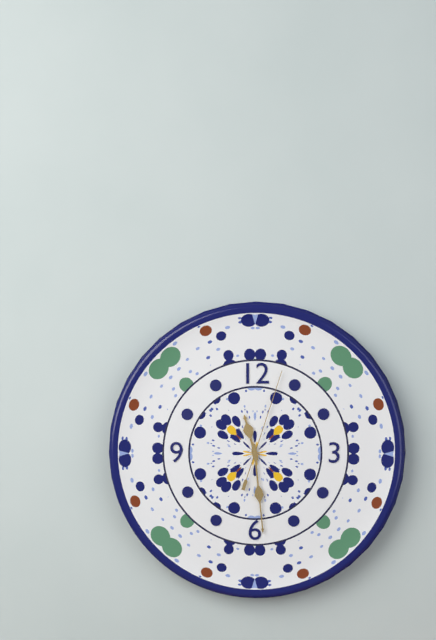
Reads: 11,29,03
